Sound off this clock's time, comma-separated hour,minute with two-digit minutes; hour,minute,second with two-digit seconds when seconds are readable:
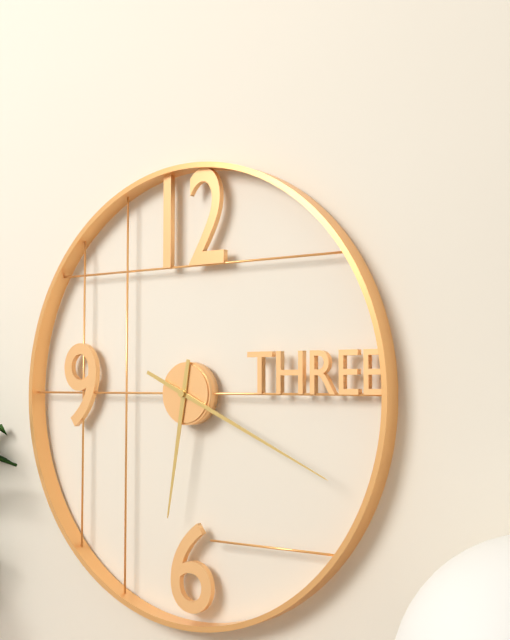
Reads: 6,19
